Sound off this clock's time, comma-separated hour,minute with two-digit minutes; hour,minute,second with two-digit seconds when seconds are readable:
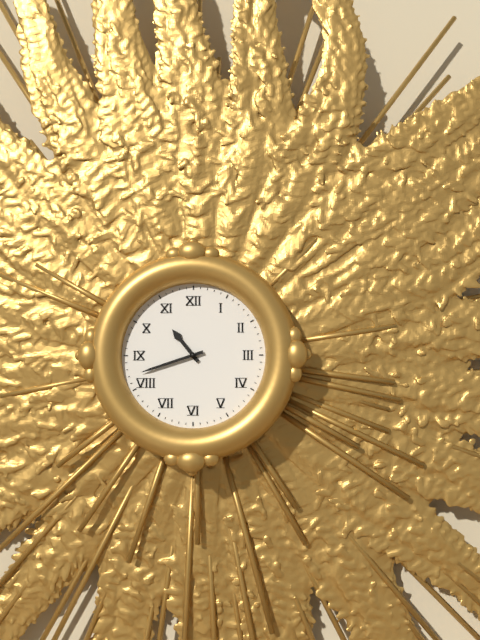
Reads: 10,42
